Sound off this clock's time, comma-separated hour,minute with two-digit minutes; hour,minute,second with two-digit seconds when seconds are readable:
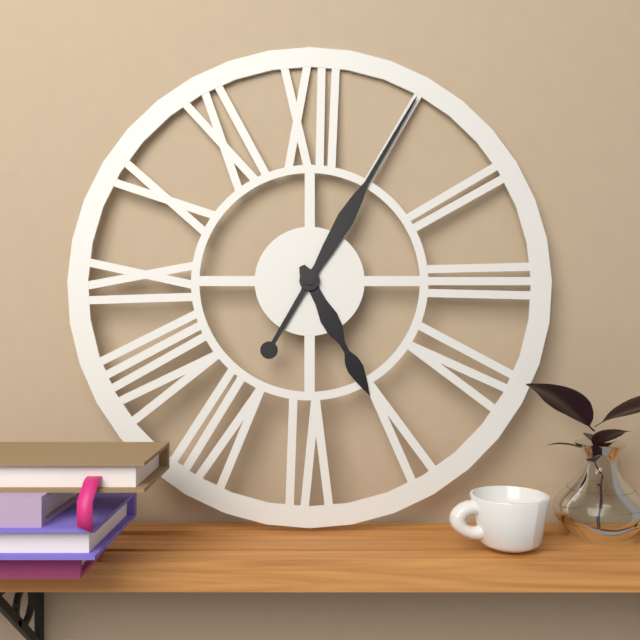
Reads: 5,05
